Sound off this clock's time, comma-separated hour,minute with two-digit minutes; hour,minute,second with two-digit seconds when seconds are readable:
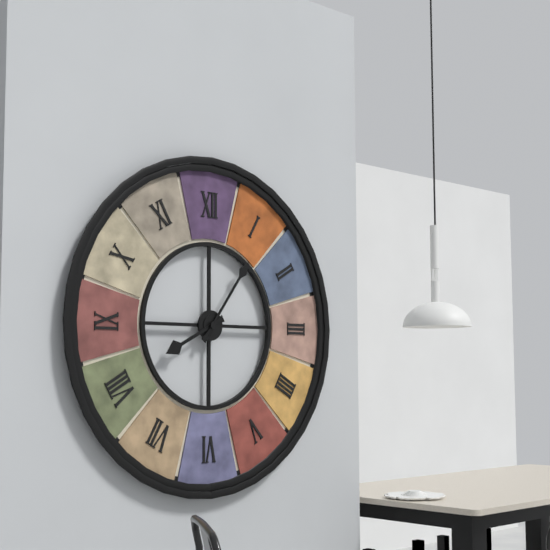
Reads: 8,06
